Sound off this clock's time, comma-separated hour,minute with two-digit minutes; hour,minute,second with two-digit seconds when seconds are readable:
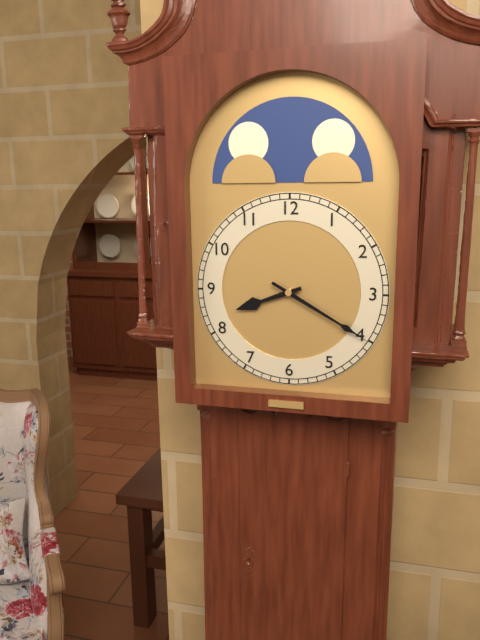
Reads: 8,20
